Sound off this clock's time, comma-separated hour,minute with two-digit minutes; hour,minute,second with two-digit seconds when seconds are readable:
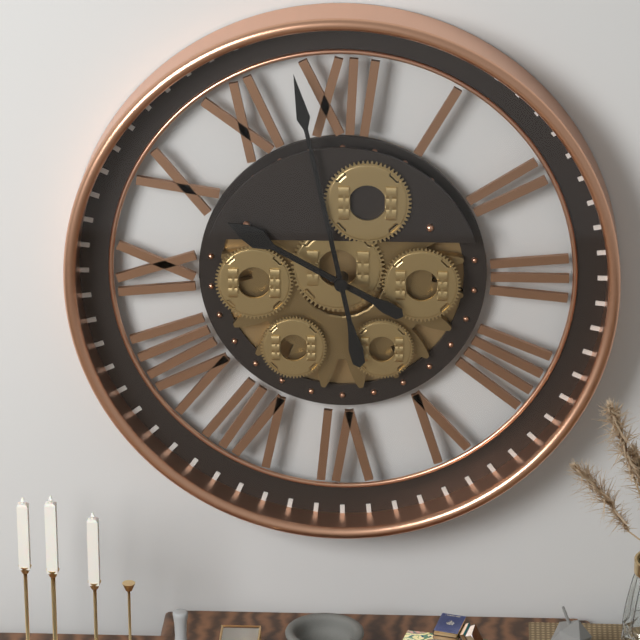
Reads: 9,58
